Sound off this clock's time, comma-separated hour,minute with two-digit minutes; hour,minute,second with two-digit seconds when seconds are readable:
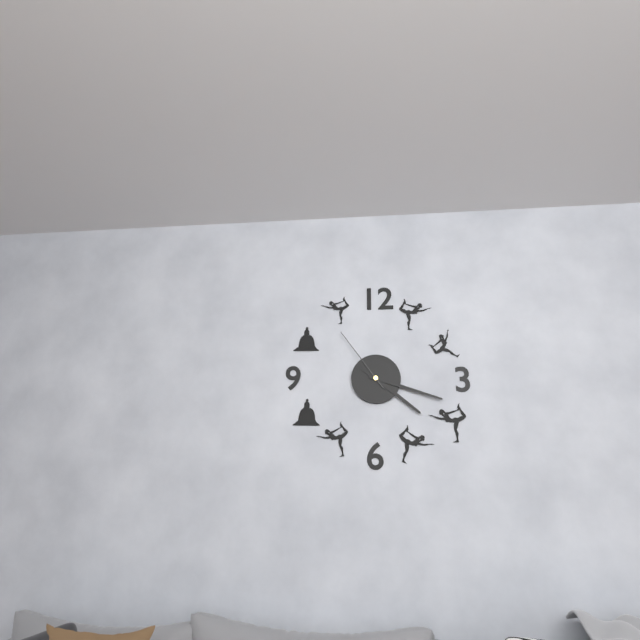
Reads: 4,18,54
